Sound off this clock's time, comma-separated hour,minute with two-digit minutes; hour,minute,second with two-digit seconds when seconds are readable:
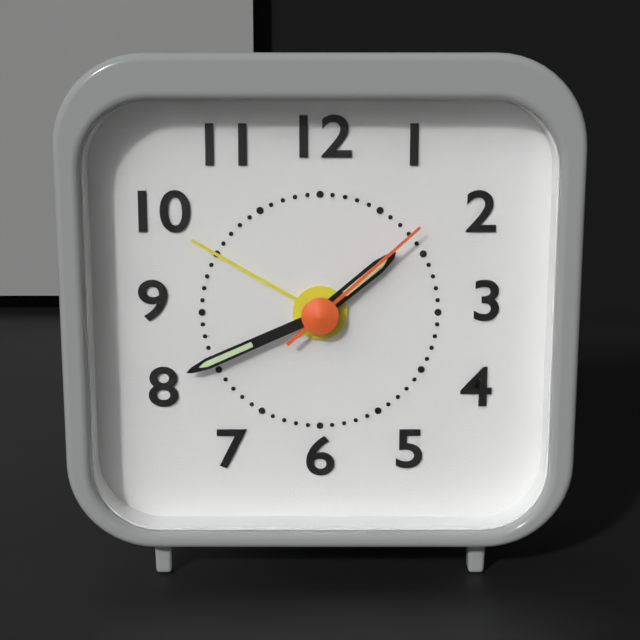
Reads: 1,41,08
